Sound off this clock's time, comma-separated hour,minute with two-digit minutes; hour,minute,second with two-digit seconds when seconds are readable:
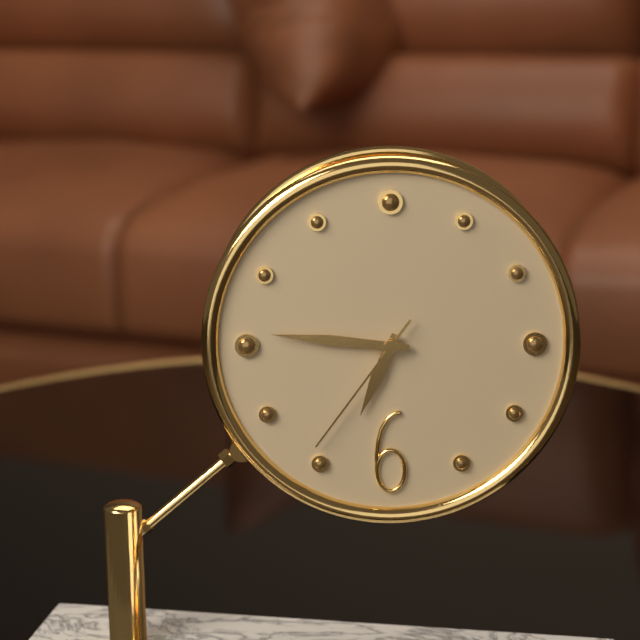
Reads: 6,46,36
